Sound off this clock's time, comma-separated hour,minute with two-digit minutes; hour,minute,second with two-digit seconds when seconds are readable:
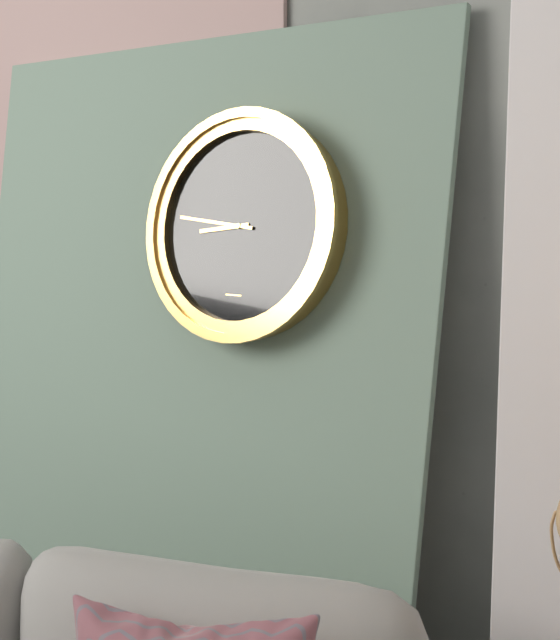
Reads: 8,46
